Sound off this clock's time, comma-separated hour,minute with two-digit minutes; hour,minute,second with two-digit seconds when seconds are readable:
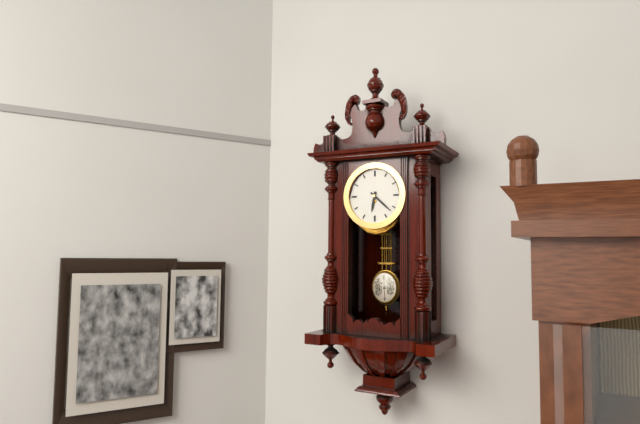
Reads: 6,22
